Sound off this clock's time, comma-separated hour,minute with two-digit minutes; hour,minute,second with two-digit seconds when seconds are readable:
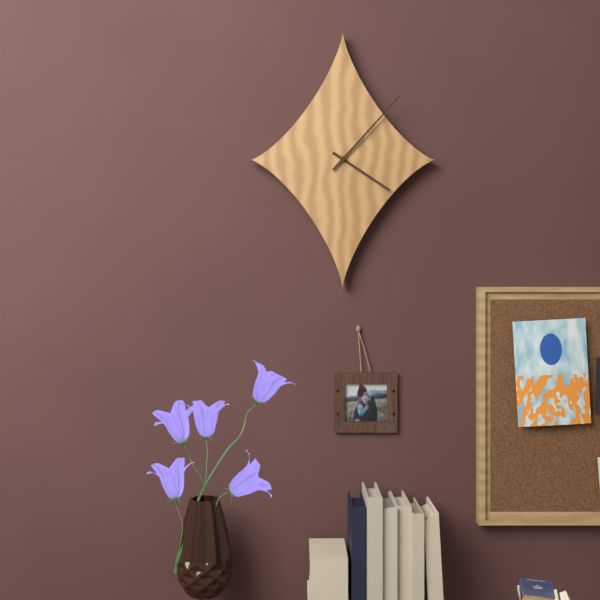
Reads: 4,07
